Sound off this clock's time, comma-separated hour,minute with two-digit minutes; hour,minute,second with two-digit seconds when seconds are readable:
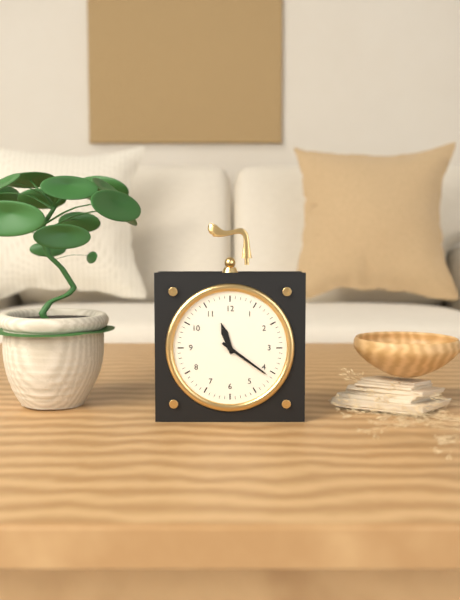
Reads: 11,21
